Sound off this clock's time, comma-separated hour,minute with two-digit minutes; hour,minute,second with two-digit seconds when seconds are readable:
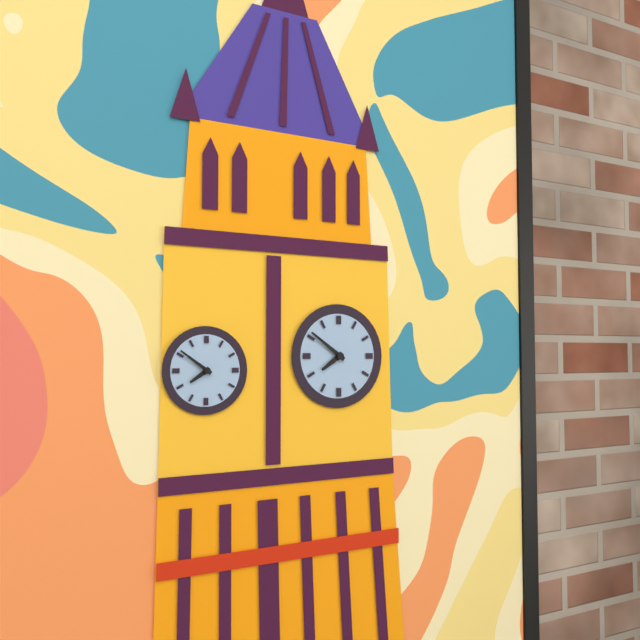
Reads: 7,51
